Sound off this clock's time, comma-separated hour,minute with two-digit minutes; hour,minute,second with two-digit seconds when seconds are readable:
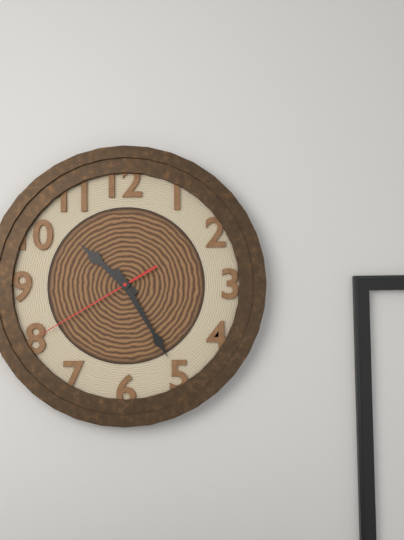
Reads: 10,25,40
